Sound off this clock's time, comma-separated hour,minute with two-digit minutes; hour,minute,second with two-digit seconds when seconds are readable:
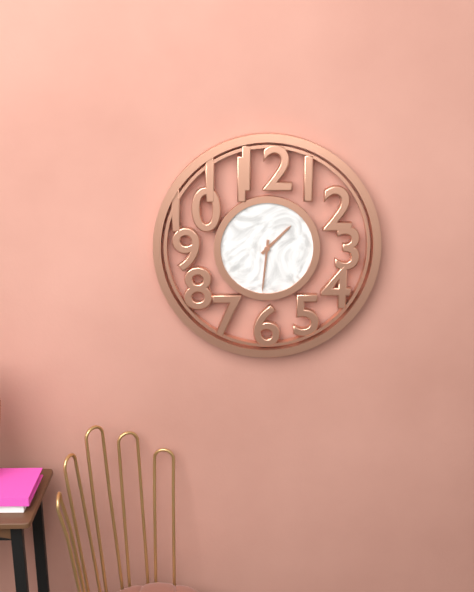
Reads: 1,31
